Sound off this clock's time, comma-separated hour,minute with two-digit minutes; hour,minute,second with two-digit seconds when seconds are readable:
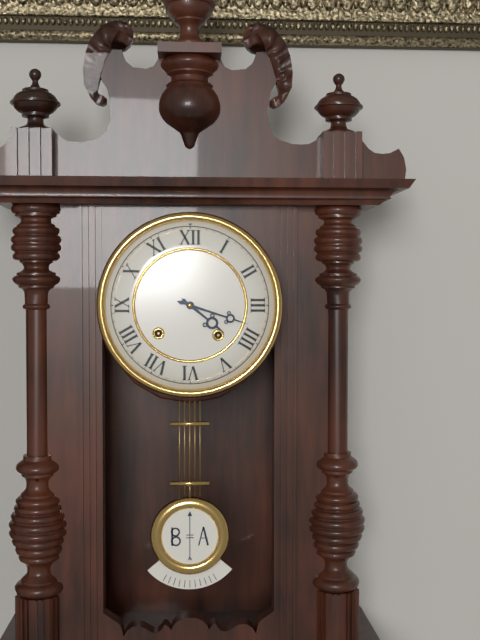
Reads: 4,18
